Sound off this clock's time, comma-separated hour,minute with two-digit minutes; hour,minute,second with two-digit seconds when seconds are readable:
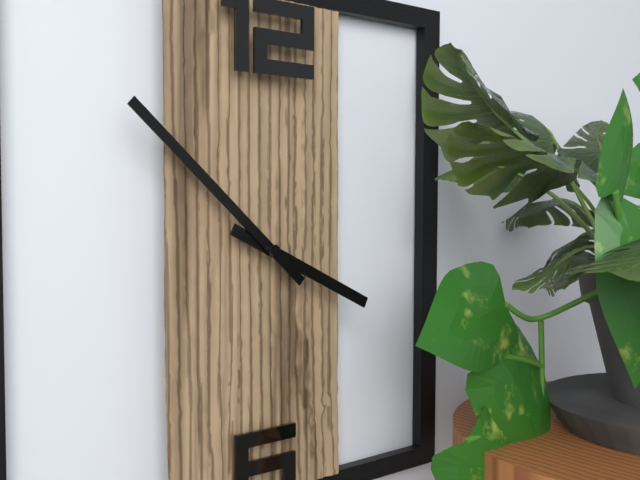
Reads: 3,52
